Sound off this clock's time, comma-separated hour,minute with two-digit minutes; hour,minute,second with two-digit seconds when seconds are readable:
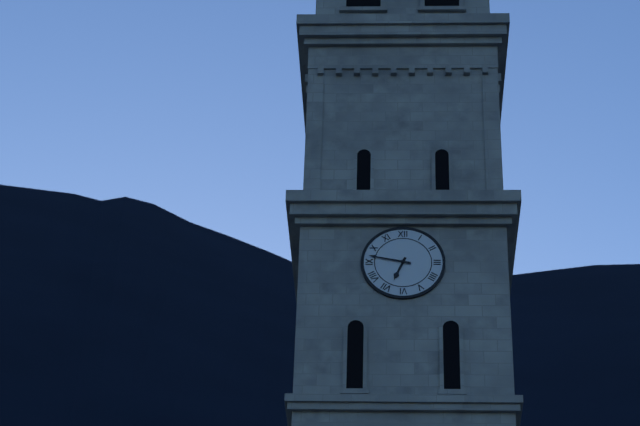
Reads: 6,47
